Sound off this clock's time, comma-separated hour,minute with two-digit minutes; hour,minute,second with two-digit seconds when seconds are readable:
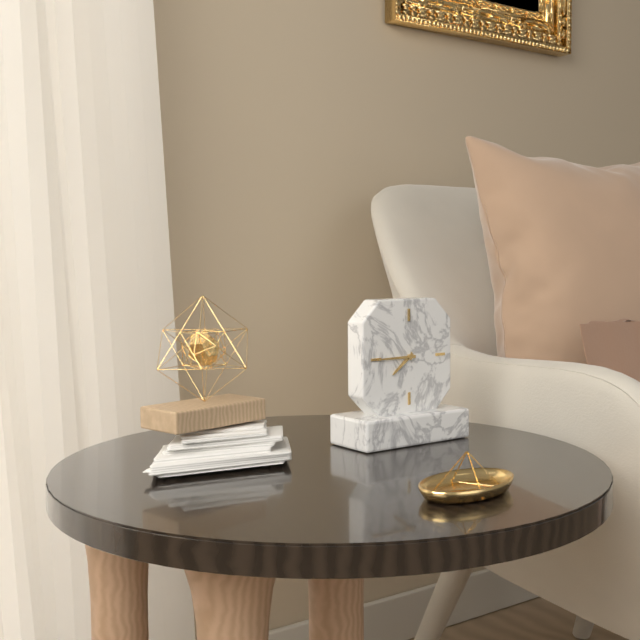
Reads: 7,45
